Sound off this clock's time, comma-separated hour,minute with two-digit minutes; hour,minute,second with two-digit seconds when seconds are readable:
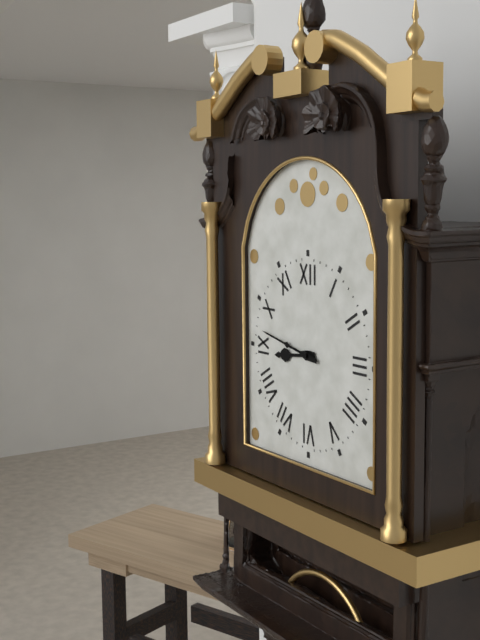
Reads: 8,47
